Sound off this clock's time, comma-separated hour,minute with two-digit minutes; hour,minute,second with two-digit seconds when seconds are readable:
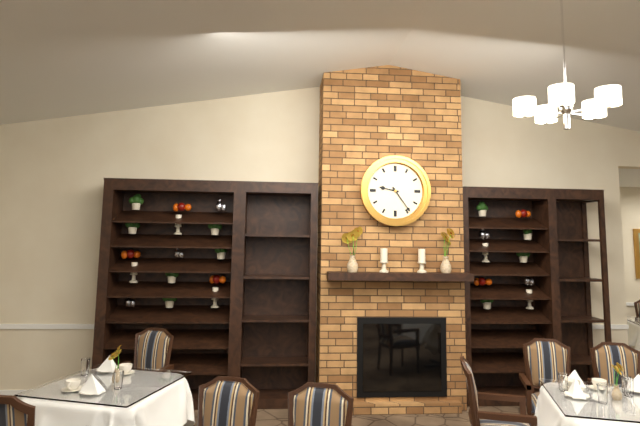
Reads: 9,24
